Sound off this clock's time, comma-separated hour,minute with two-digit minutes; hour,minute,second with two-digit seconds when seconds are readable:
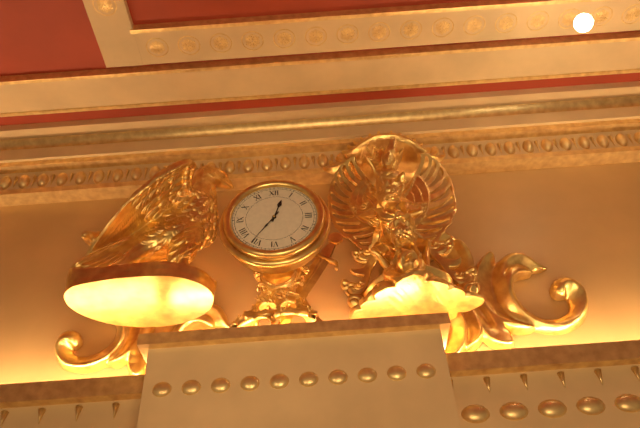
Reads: 12,36
